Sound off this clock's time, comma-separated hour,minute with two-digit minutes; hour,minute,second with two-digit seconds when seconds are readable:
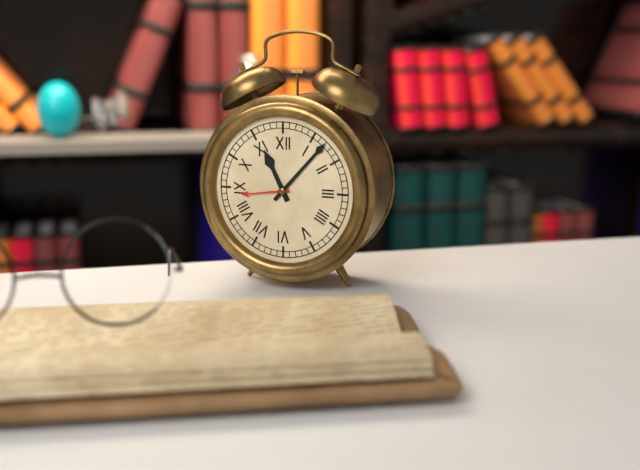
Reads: 11,07
